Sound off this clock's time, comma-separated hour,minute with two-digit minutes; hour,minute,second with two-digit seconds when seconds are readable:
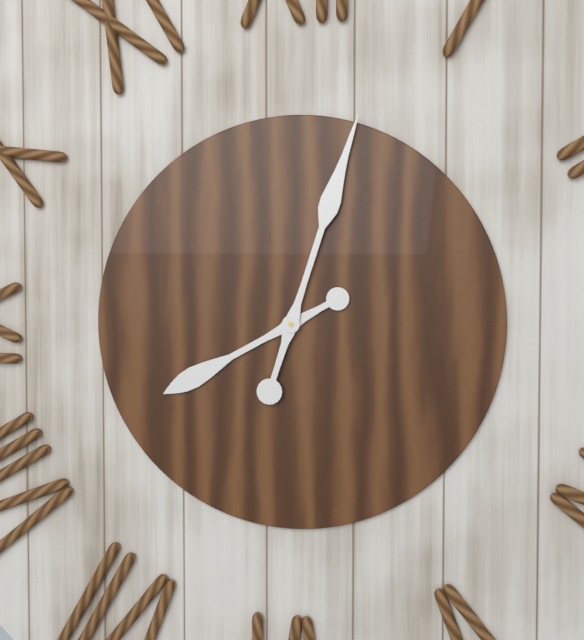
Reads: 8,03
